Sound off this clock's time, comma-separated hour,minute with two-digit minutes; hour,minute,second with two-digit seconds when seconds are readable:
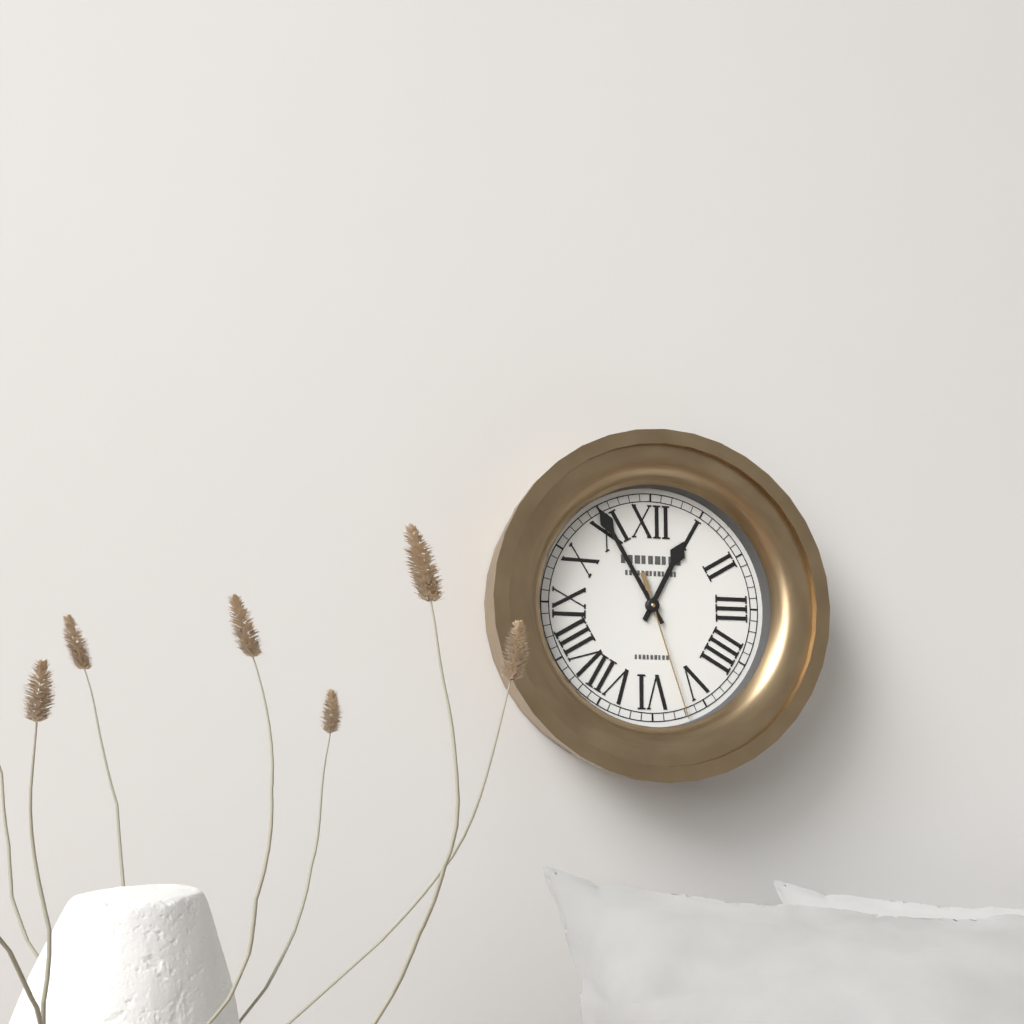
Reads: 12,55,27
